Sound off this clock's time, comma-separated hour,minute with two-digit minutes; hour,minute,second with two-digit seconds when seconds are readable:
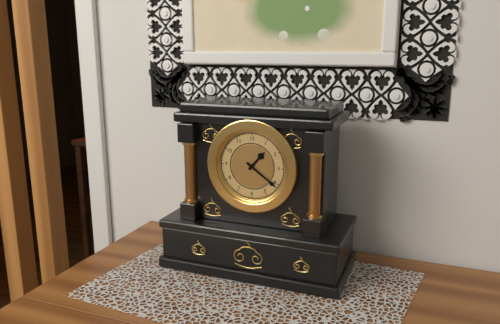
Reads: 1,21
